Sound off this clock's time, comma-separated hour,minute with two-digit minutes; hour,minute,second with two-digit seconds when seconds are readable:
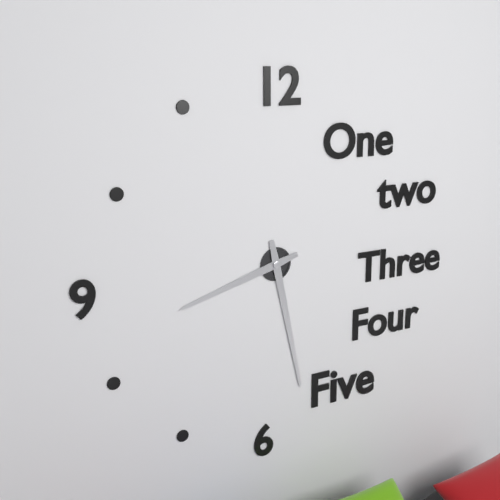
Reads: 8,28
